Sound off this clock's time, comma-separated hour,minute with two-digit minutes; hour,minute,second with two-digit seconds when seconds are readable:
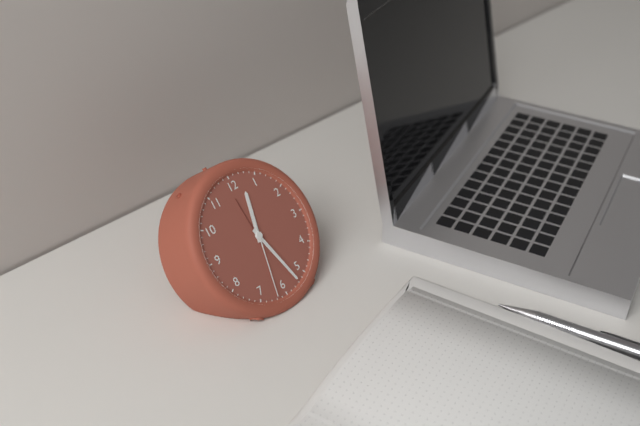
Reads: 12,27,32
